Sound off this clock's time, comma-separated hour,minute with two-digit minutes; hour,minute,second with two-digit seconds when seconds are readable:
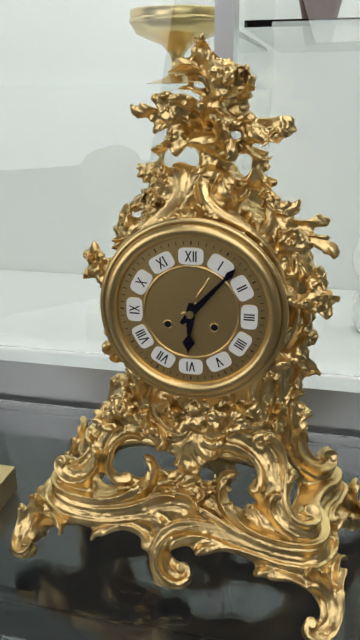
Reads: 6,07
